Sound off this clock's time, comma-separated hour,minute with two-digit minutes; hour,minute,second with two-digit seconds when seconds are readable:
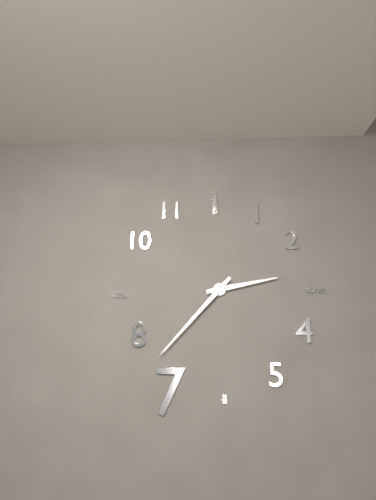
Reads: 2,37
